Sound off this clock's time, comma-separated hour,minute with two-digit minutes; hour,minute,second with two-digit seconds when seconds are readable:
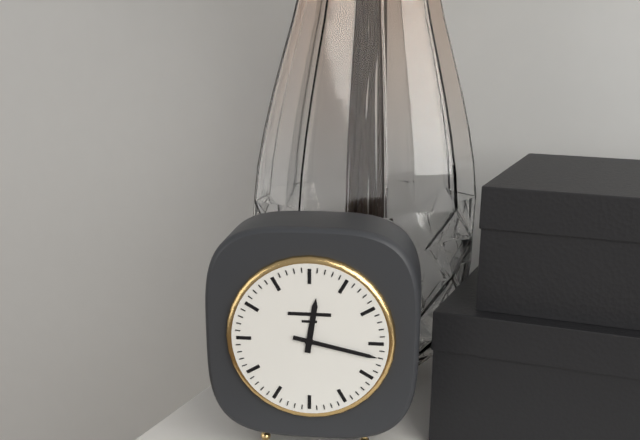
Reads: 12,17
